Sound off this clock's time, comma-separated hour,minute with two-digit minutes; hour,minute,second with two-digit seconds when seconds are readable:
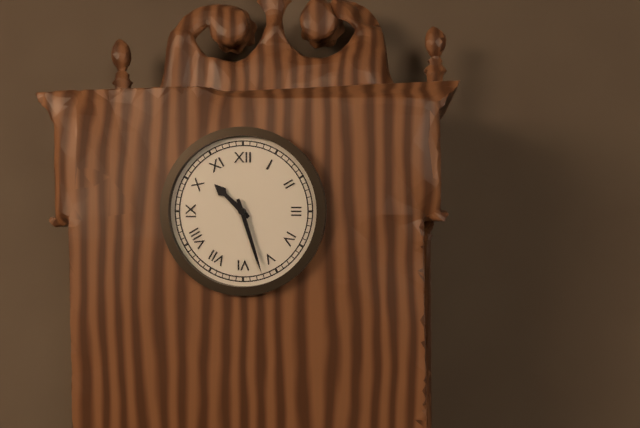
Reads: 10,27
